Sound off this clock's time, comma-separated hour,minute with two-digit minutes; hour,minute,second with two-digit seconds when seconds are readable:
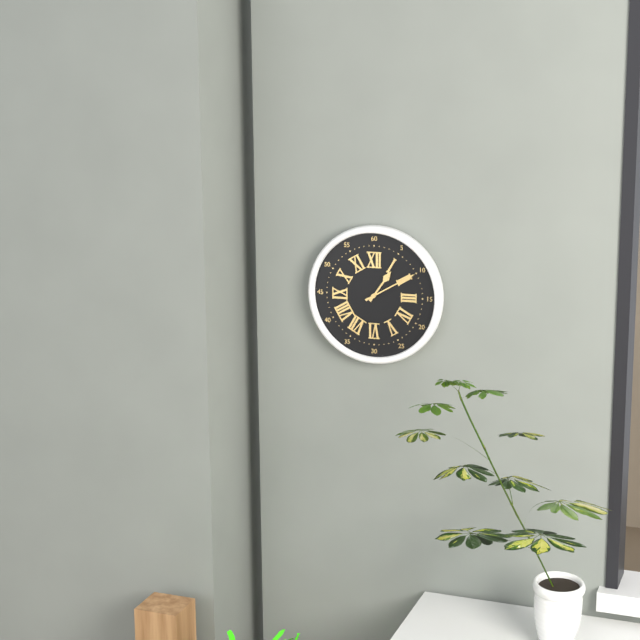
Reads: 1,10
